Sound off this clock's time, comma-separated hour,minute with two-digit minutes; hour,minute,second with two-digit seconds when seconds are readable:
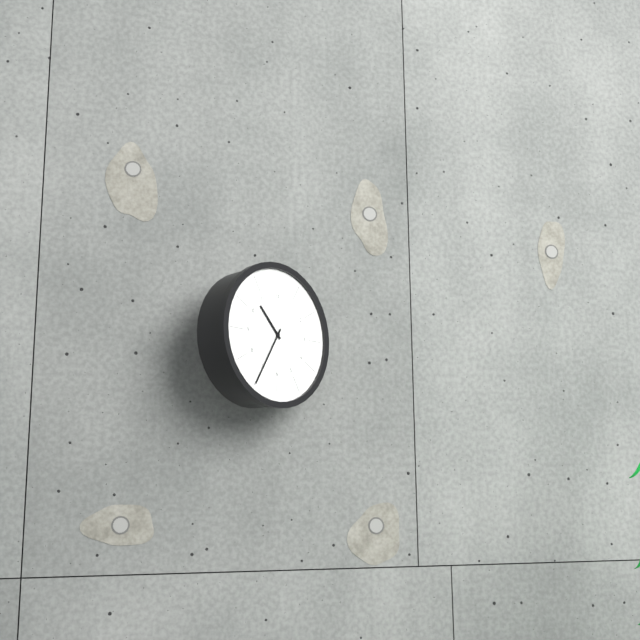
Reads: 10,35
